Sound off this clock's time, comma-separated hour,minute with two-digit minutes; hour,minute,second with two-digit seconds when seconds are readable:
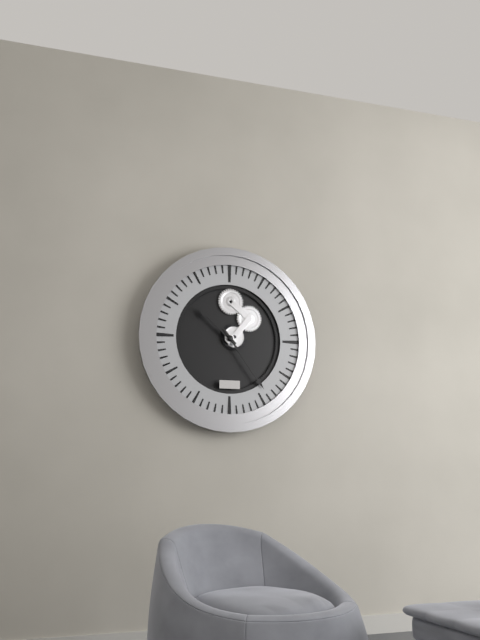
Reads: 10,24
